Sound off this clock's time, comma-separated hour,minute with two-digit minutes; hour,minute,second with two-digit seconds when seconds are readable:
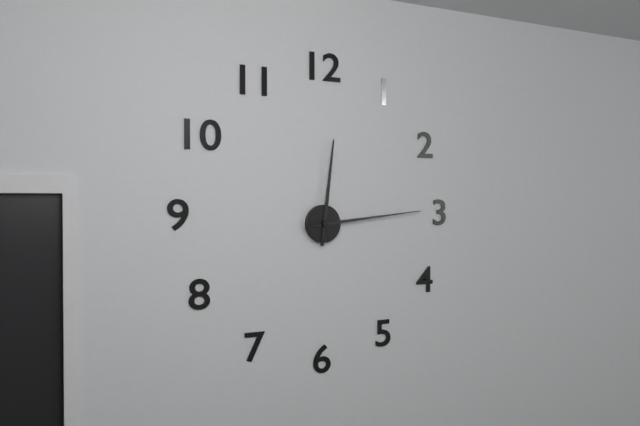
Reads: 12,14
